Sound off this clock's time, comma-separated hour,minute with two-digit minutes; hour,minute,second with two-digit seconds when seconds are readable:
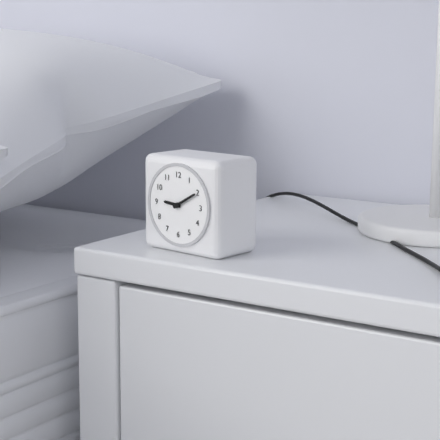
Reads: 9,10
